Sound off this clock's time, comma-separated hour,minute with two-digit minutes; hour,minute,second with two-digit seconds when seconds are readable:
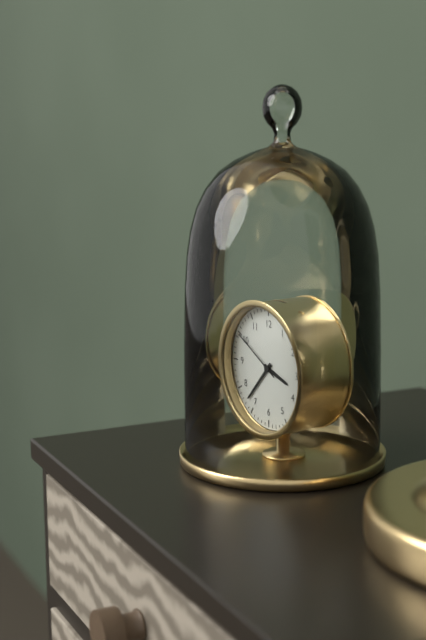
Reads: 3,37,50
